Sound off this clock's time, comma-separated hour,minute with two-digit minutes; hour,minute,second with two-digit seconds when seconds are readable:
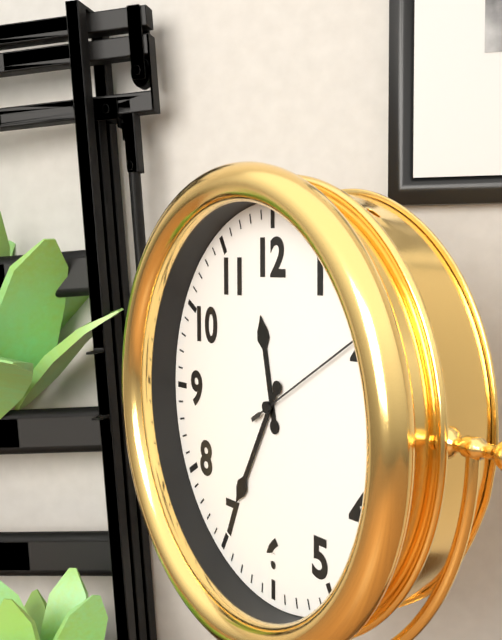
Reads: 11,35,10
